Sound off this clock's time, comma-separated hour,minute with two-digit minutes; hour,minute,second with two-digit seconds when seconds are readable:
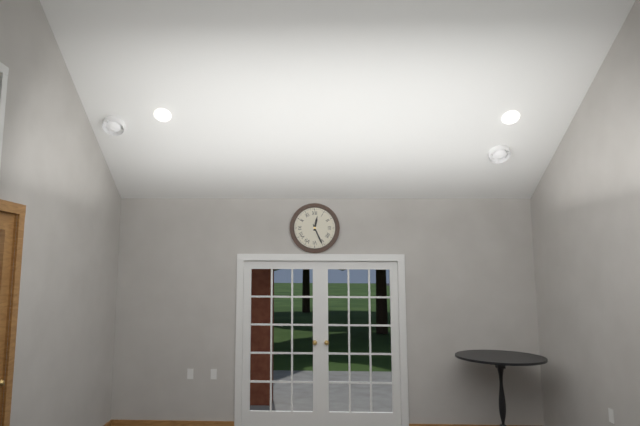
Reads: 12,26
